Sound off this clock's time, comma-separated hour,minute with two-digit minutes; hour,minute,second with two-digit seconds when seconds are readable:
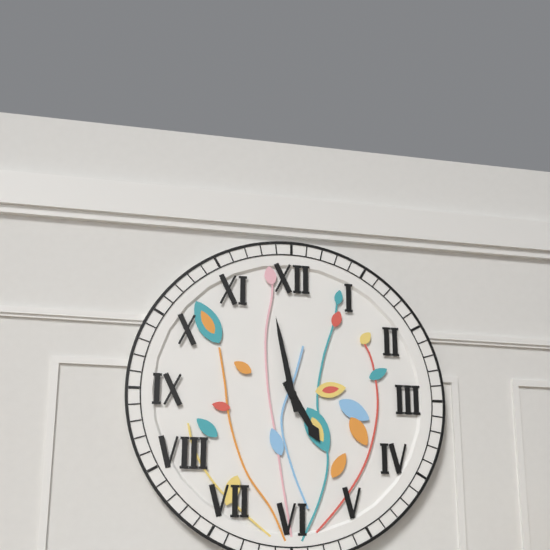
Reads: 4,58
